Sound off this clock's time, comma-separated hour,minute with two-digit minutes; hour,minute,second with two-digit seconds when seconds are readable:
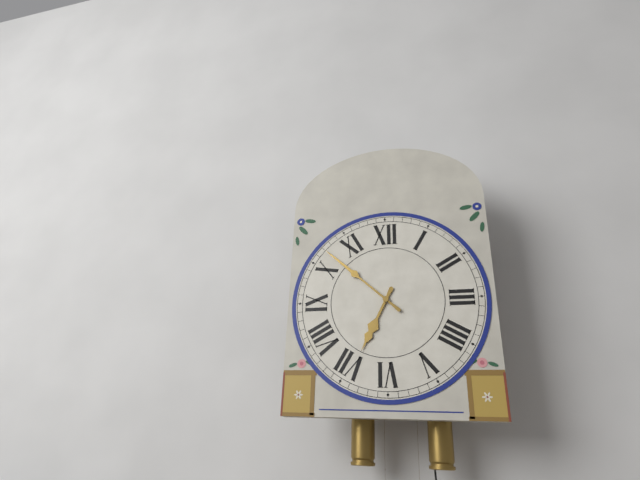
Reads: 6,52
